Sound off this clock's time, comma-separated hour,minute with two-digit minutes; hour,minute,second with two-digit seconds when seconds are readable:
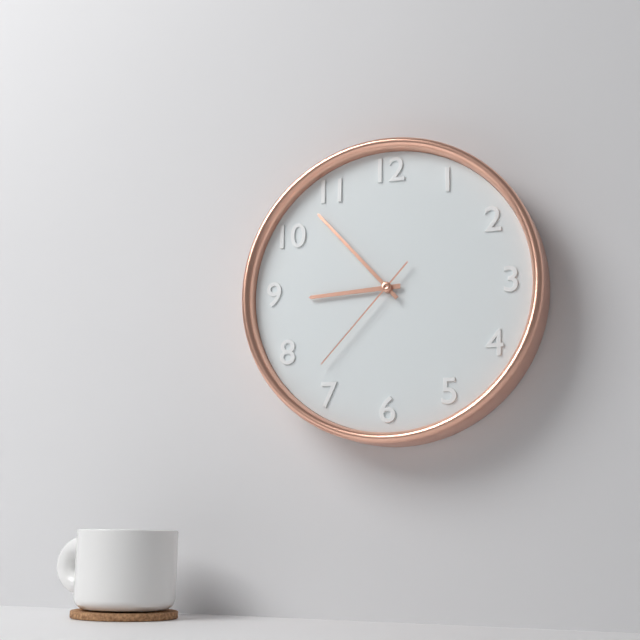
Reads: 8,53,37
